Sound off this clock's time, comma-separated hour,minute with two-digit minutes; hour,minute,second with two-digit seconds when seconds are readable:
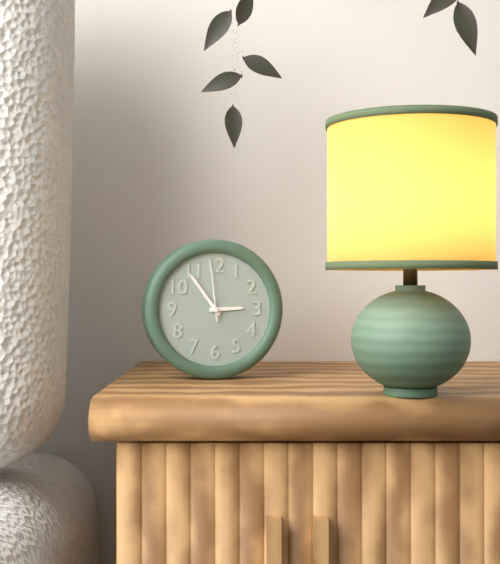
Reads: 2,54,59
